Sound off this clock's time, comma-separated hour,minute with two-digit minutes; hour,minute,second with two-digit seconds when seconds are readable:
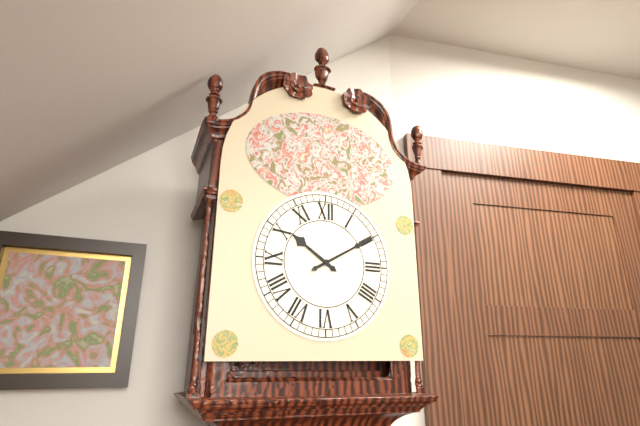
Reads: 10,10
